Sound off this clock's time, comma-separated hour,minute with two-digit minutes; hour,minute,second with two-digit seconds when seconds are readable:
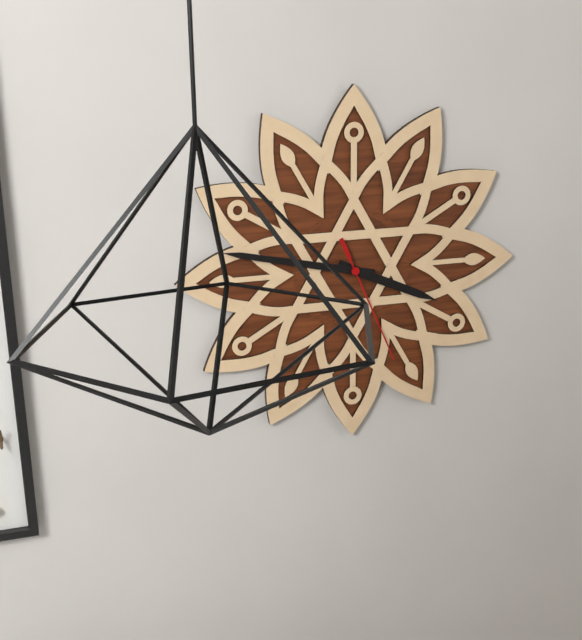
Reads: 3,47,26
